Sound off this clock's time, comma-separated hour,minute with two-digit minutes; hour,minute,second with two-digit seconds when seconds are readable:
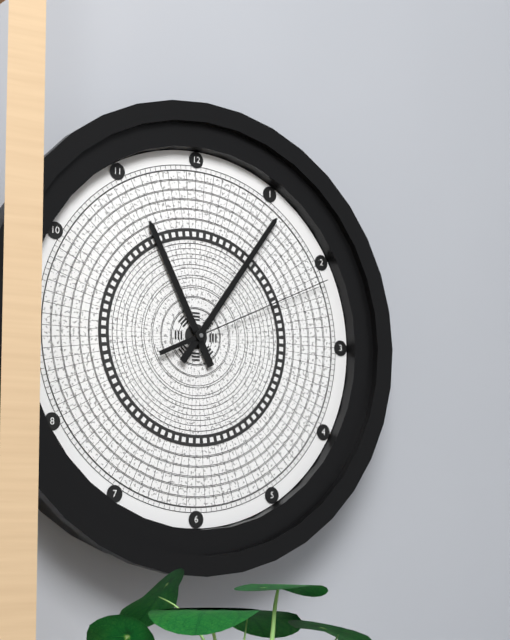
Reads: 11,06,11
